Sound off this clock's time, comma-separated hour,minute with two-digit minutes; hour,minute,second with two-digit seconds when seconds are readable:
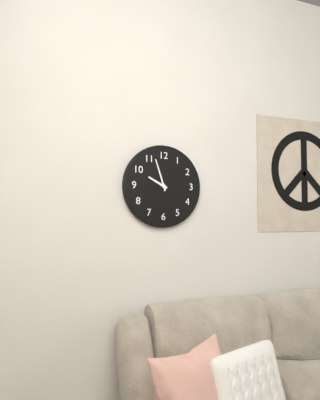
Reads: 9,57
